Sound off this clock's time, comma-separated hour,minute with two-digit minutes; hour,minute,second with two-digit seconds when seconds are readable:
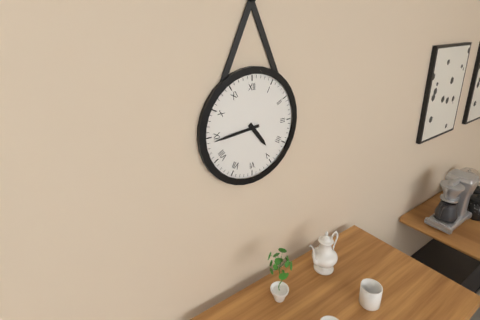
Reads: 4,44
